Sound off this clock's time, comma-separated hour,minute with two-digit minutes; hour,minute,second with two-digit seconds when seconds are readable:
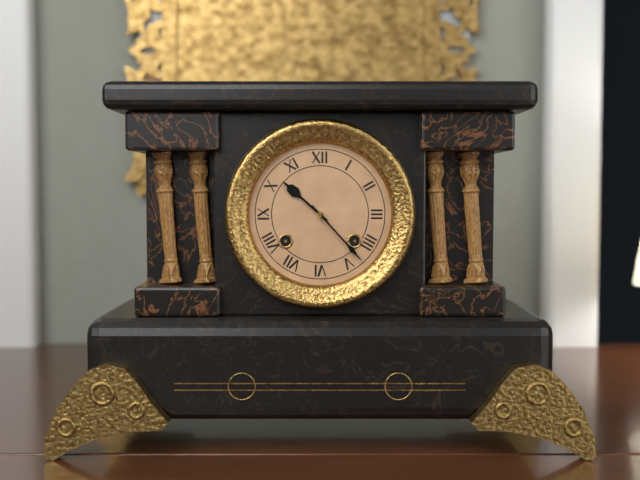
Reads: 10,23
